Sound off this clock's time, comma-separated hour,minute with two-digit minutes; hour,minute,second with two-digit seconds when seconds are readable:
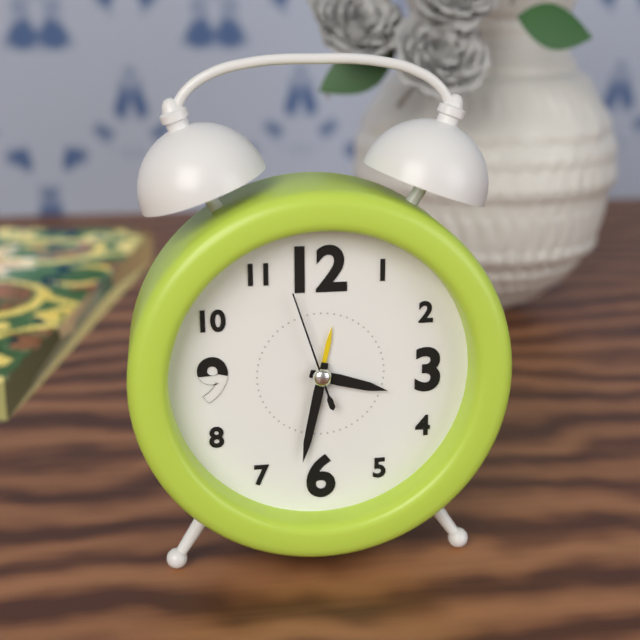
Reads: 3,32,57
